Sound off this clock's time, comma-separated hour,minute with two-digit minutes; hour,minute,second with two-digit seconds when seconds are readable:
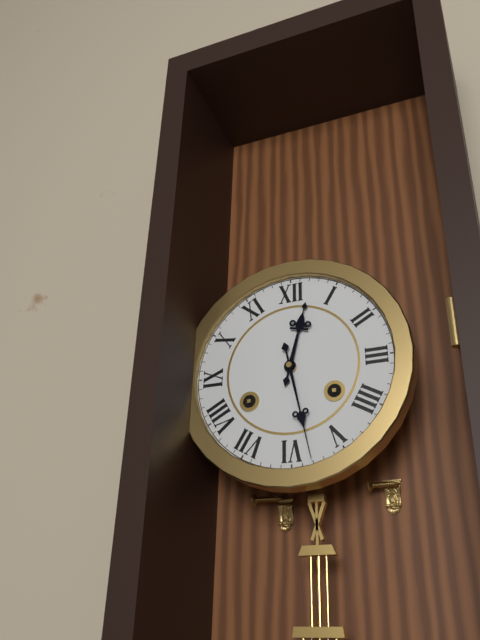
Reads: 12,28
